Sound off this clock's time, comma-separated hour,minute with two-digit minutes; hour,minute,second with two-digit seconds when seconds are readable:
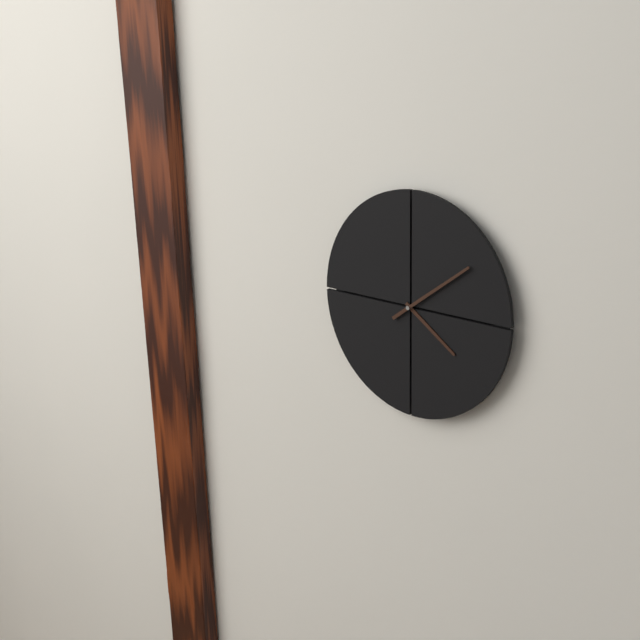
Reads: 4,09
